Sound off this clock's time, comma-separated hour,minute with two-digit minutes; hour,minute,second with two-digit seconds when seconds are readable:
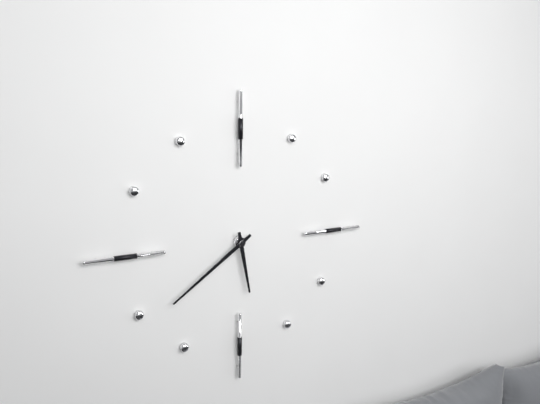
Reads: 5,39
